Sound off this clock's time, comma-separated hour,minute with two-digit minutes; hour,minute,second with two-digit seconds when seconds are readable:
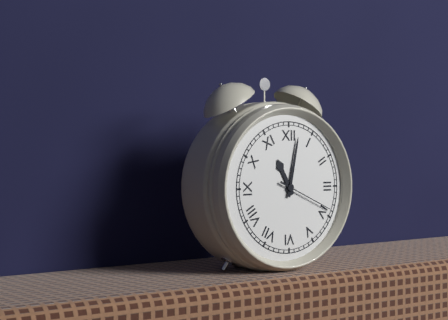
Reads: 11,02,19
